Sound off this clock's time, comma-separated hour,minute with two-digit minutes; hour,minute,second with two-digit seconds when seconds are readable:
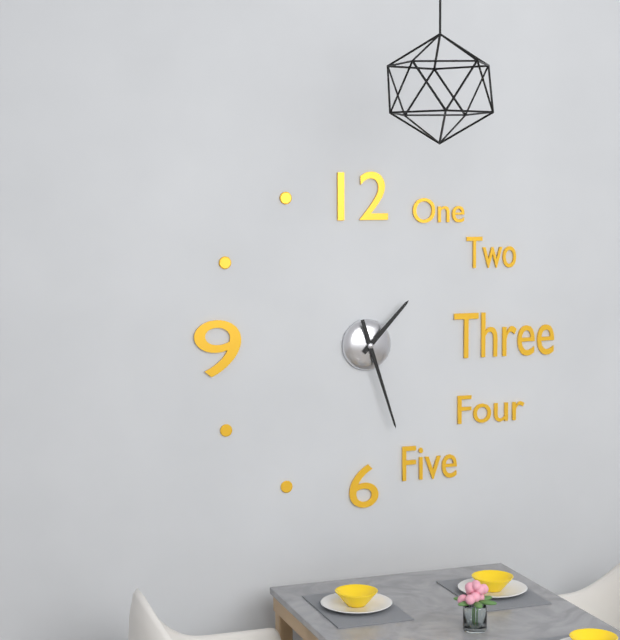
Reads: 1,27
